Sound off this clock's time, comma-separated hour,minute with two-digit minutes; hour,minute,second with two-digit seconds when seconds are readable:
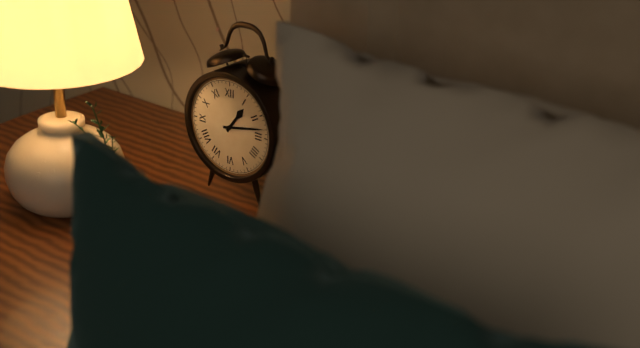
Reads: 1,13
